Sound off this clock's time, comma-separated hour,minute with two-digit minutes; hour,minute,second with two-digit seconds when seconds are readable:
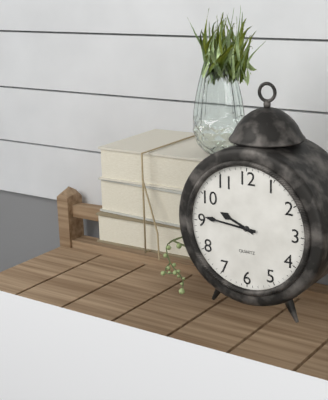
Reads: 9,46
